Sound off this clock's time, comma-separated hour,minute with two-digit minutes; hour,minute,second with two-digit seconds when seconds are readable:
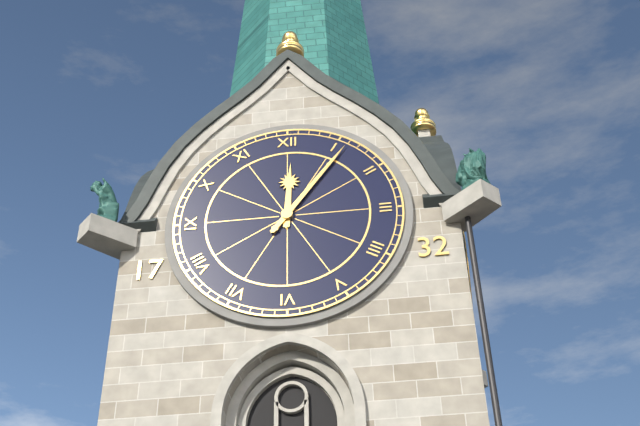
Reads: 12,06
